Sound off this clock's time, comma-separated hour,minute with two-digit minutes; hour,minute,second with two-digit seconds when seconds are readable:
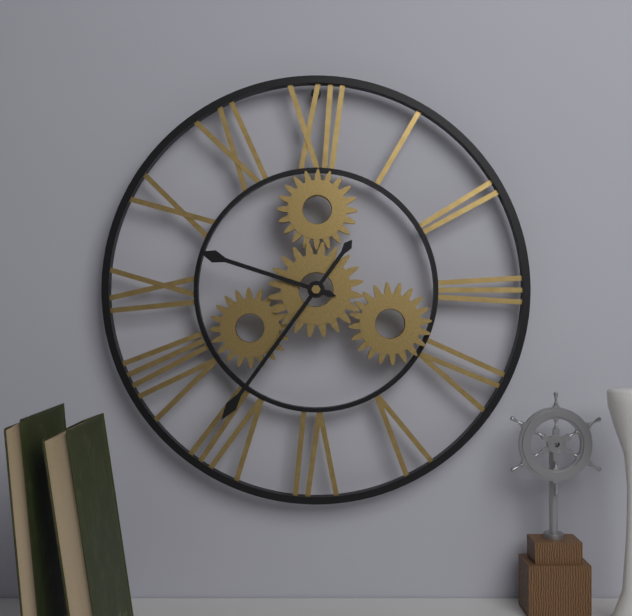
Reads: 9,36
